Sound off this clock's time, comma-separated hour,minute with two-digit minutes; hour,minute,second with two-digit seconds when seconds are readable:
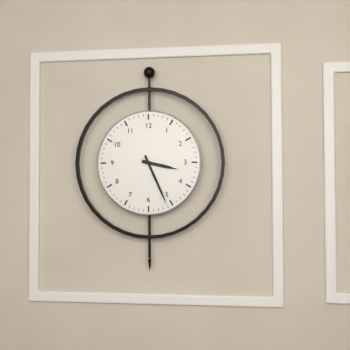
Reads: 3,26
